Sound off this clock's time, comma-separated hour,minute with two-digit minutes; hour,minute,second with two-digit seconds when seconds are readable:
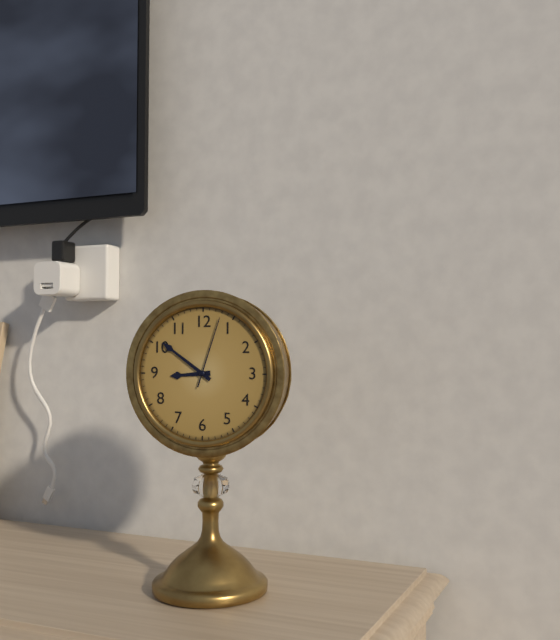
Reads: 8,51,03
